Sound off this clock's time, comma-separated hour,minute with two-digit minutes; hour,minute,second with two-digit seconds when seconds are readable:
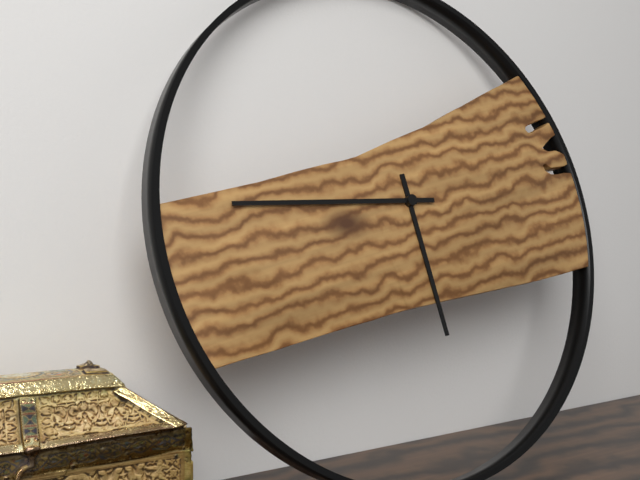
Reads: 5,45
